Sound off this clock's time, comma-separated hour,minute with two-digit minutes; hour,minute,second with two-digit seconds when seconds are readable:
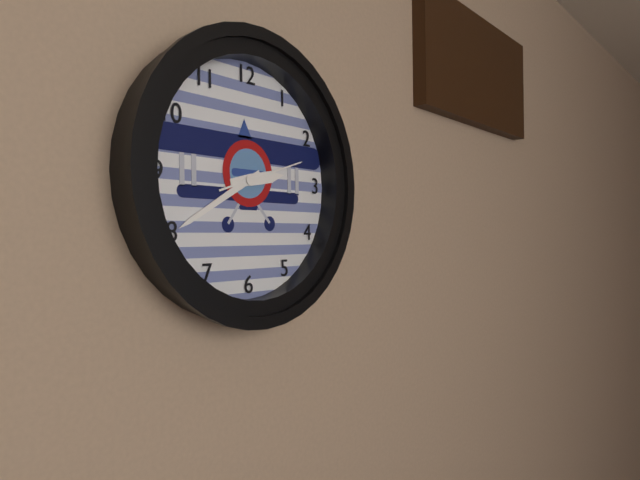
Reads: 2,40,12
